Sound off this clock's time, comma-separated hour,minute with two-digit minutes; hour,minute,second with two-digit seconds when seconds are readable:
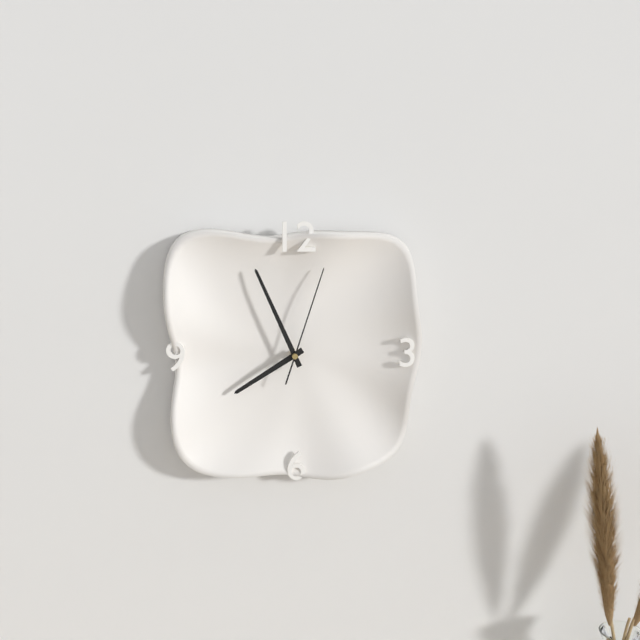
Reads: 7,56,03
